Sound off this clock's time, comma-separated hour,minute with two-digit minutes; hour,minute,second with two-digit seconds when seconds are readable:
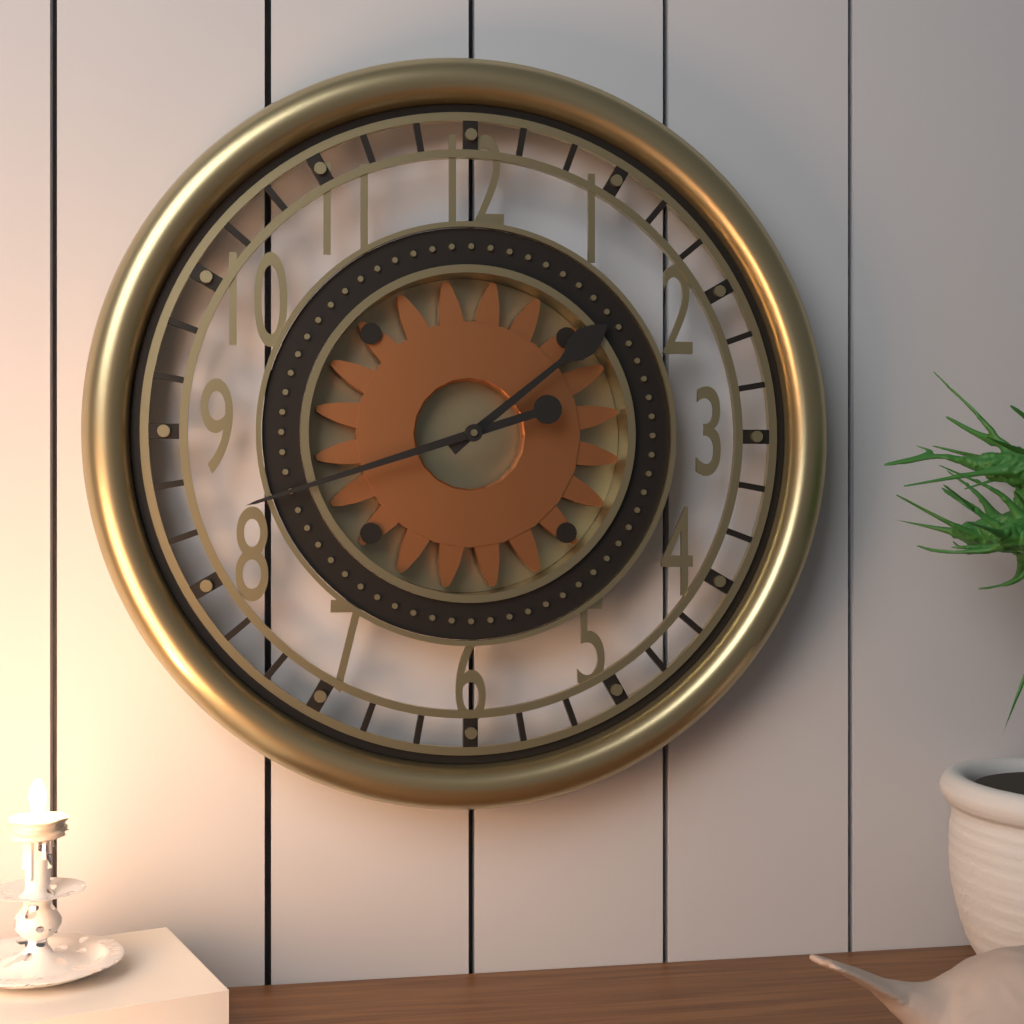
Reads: 1,42
